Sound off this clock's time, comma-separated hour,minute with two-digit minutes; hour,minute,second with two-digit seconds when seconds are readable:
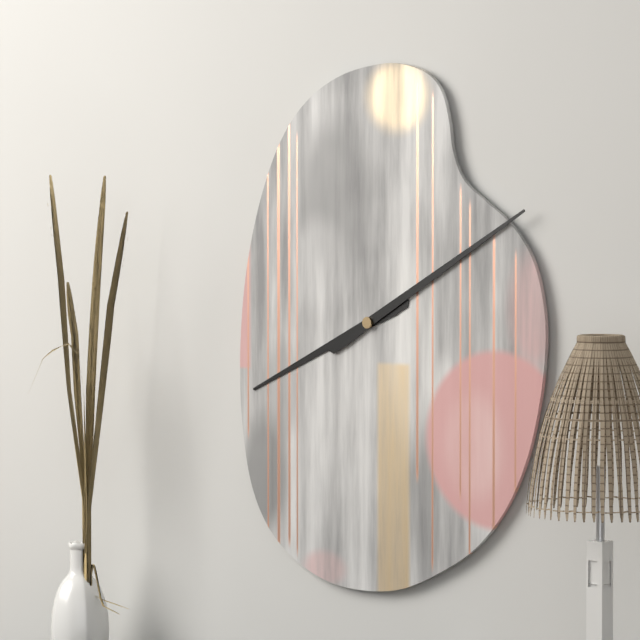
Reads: 8,10
